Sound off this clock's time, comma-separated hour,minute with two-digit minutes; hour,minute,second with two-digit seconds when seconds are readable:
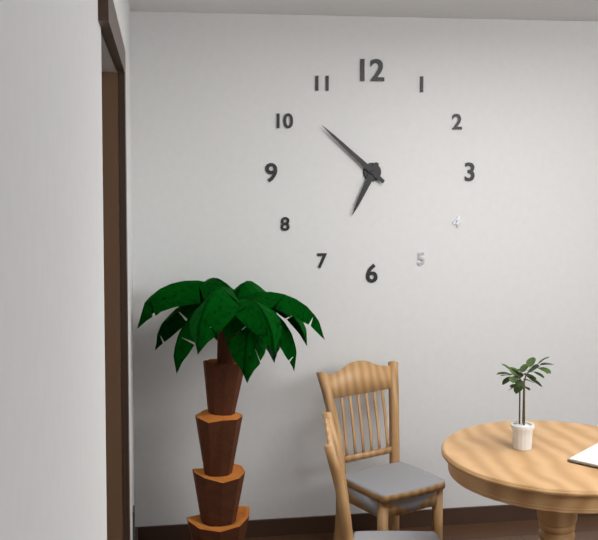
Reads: 6,52
